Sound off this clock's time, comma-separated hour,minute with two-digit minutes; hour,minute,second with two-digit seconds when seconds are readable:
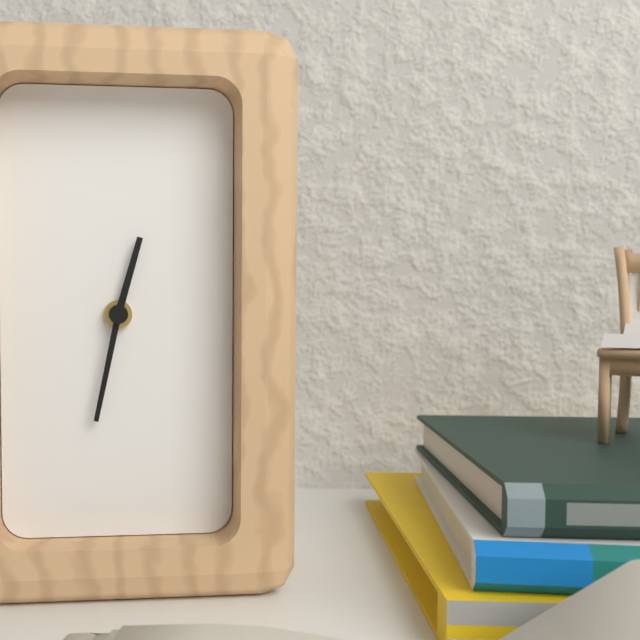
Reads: 12,32
